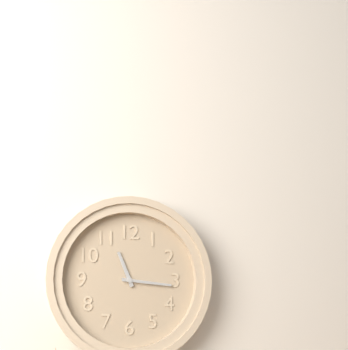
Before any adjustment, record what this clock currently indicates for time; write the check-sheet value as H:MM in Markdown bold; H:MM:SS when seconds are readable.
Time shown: **11:16**
